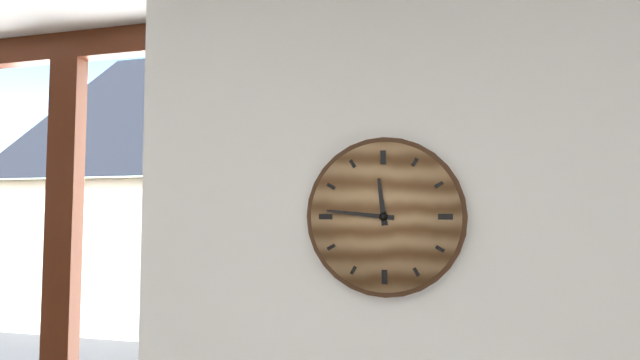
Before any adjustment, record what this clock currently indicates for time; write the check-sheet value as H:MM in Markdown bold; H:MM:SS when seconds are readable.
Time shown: **11:46**
